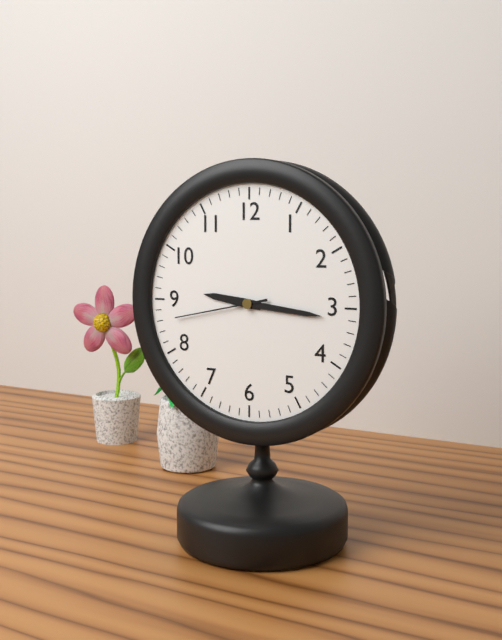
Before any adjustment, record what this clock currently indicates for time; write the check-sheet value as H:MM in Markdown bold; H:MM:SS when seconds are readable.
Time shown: **9:16:43**
